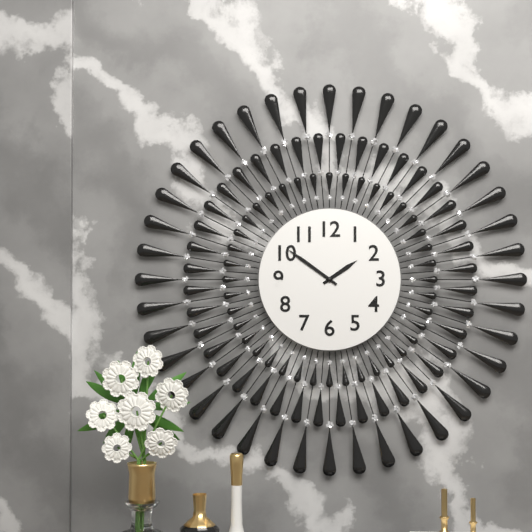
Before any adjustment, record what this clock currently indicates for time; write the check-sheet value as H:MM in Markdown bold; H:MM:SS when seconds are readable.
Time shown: **1:51**
